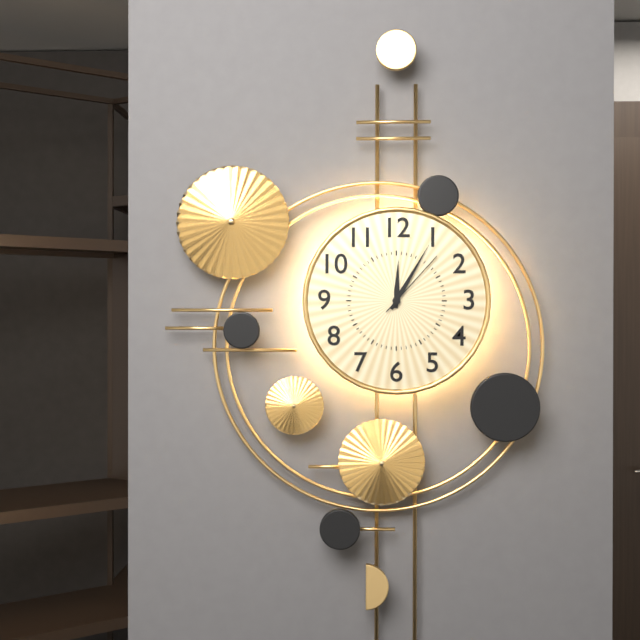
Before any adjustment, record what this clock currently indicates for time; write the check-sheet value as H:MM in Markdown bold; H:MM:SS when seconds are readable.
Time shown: **12:05:07**
